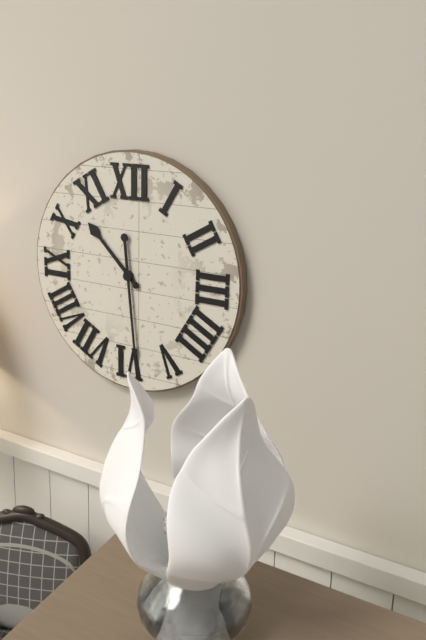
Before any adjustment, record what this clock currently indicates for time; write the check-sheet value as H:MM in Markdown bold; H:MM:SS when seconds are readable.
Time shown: **10:29**
